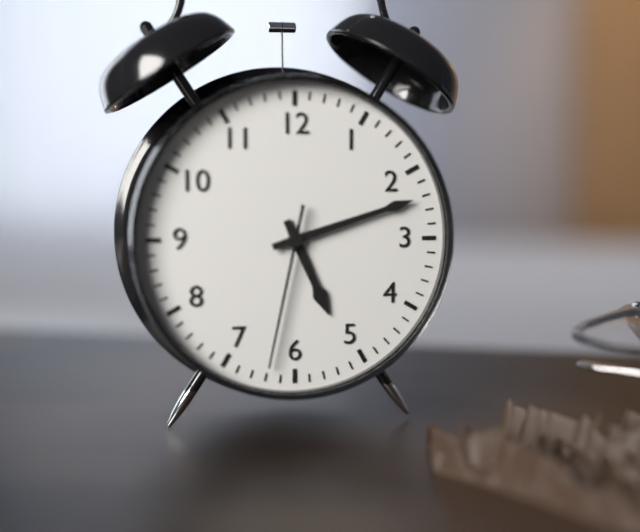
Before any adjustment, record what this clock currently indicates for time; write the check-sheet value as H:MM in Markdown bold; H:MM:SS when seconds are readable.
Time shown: **5:12:32**
